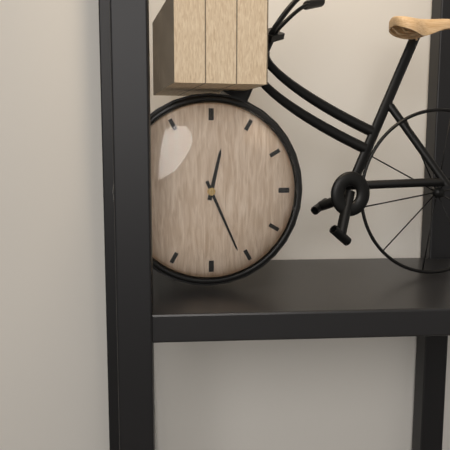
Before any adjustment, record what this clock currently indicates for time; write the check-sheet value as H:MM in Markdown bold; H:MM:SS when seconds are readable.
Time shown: **12:26**
